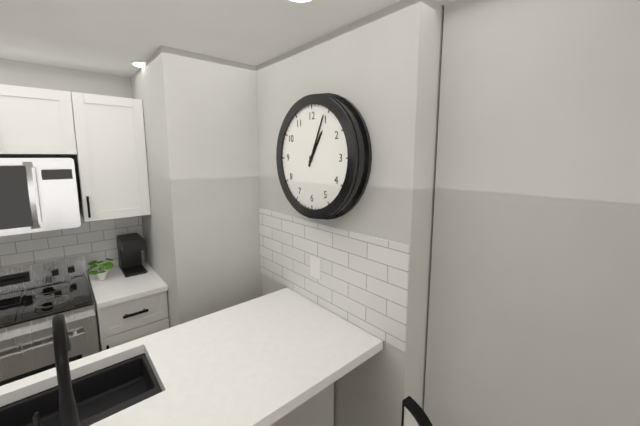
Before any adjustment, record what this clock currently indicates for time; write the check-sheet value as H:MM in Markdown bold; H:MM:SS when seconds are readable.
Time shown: **1:04**
